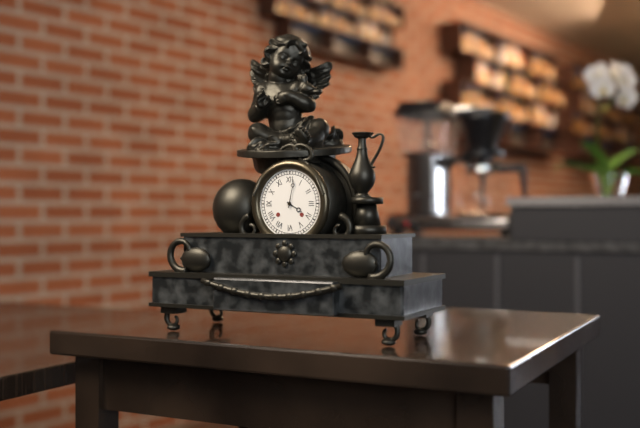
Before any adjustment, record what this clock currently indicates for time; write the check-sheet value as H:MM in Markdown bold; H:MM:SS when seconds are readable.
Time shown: **4:02**
